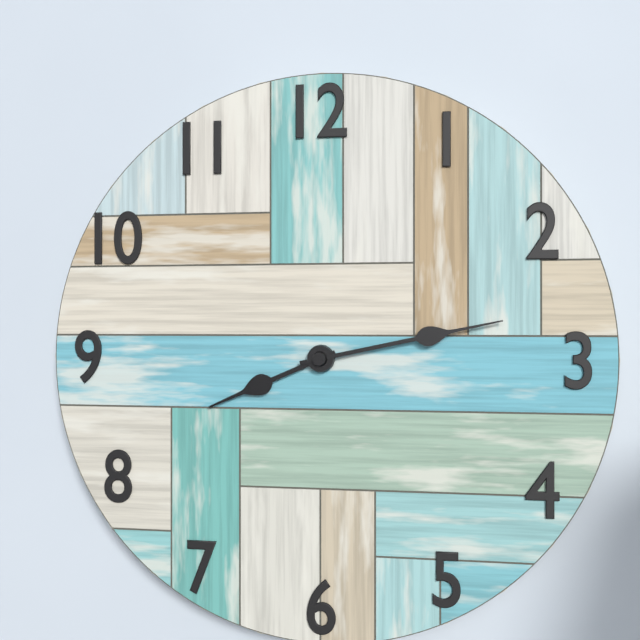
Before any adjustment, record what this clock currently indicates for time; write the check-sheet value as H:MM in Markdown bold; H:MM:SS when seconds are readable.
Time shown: **8:13**
